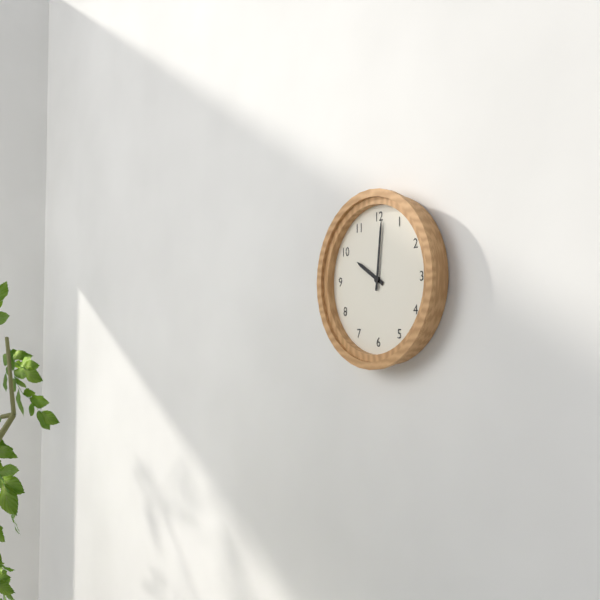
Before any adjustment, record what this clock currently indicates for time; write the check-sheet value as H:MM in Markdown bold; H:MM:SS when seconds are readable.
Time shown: **10:01**
